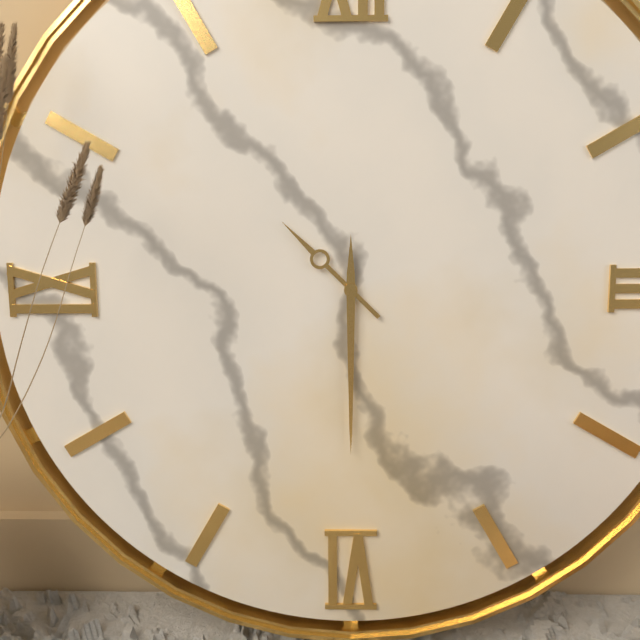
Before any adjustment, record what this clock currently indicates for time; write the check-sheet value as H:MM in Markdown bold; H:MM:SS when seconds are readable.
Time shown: **10:30**
